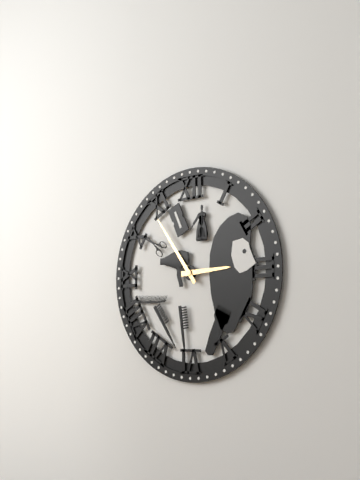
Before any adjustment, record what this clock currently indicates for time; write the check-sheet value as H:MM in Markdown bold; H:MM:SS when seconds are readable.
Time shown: **2:54**
